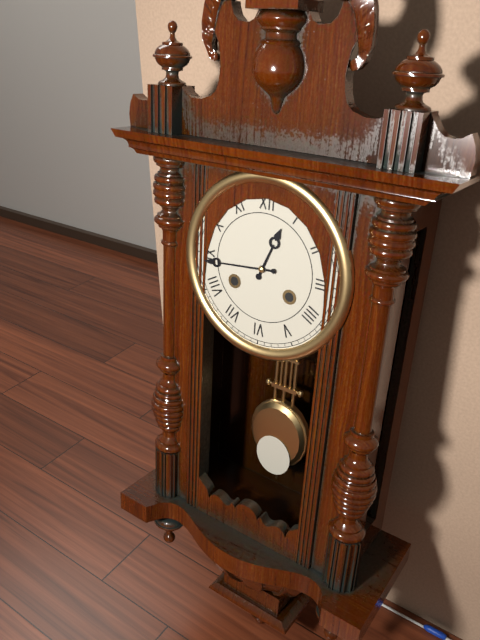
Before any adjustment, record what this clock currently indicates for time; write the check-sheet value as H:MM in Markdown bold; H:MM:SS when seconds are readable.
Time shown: **12:44**
